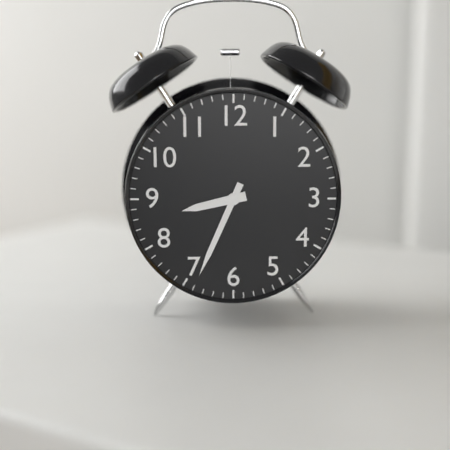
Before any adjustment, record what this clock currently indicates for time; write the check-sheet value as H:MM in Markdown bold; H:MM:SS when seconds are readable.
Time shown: **8:34**
